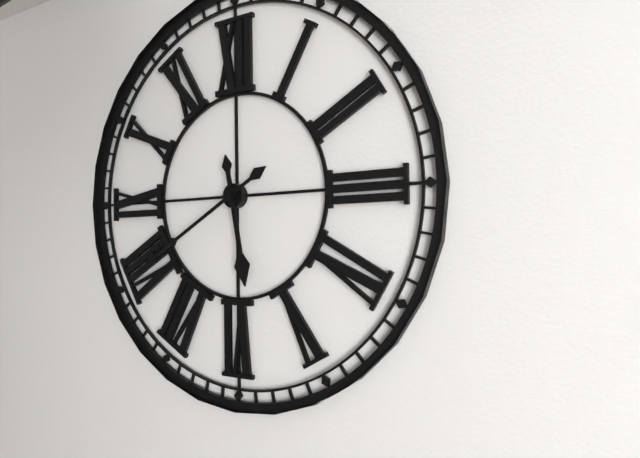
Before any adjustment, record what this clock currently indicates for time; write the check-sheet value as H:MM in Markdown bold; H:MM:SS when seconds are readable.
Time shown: **5:40**
